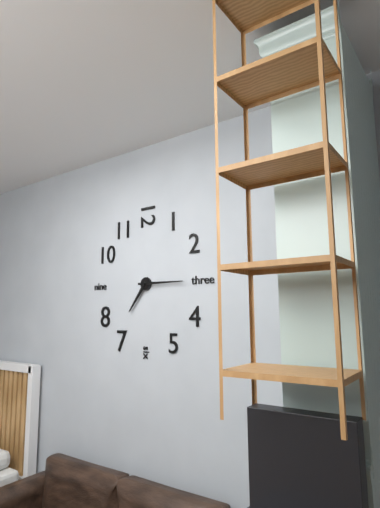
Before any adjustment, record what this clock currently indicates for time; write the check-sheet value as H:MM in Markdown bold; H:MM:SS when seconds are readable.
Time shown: **7:15**
